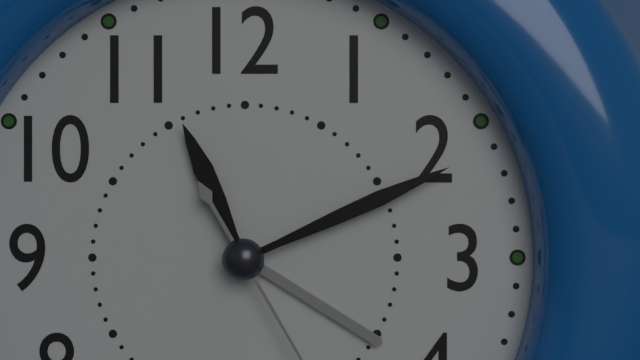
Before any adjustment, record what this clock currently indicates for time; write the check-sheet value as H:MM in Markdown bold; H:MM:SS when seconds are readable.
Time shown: **11:11**
